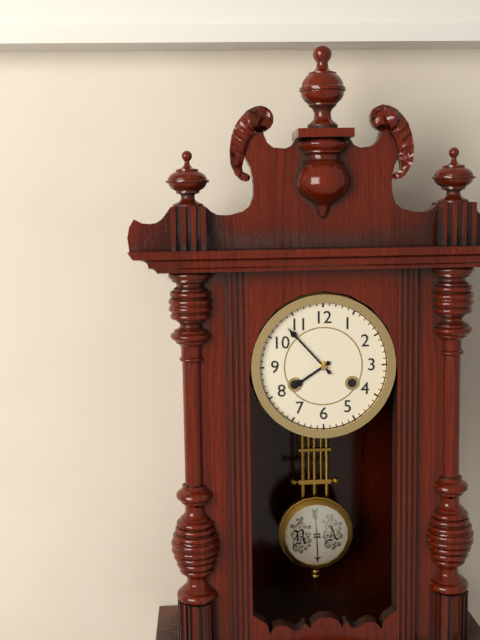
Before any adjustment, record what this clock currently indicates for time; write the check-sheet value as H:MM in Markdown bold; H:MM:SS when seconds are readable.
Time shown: **7:53**
